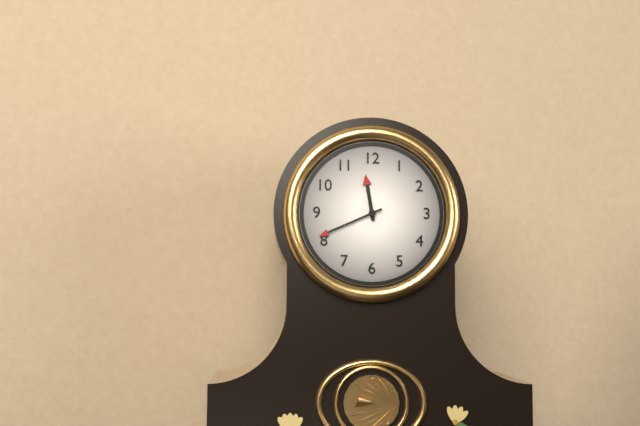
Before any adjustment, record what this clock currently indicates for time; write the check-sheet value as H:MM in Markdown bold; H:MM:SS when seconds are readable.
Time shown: **11:41**
